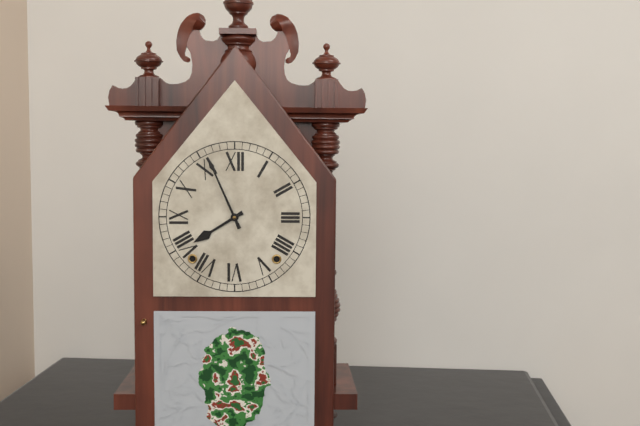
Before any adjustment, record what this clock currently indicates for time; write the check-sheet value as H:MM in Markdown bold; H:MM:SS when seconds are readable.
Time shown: **7:56**
